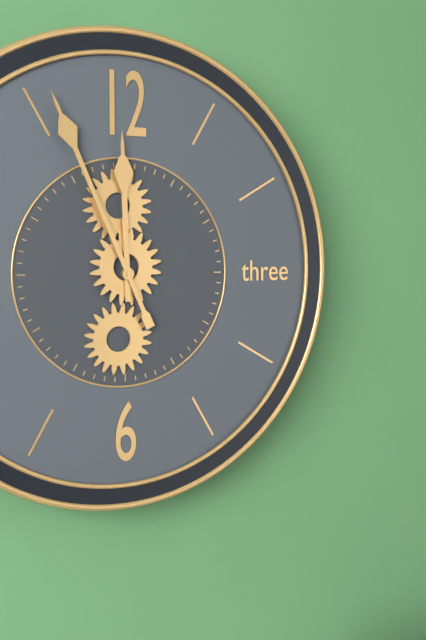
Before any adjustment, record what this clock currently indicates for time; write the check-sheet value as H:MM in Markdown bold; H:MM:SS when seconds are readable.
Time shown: **11:56**
